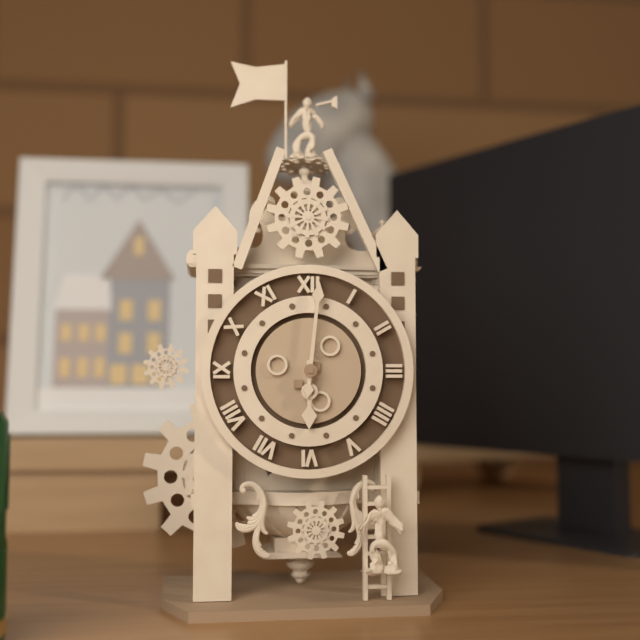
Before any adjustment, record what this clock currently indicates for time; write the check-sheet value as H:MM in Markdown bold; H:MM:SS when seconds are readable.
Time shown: **6:01**
